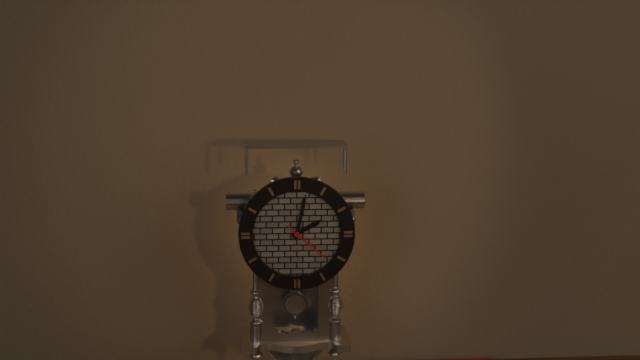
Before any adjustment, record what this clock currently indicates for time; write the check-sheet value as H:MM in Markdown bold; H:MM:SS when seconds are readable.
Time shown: **2:02**
